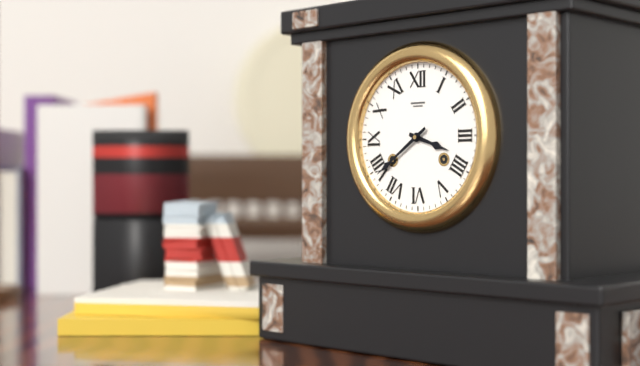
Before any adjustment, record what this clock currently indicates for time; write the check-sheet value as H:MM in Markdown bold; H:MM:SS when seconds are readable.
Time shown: **3:39**
